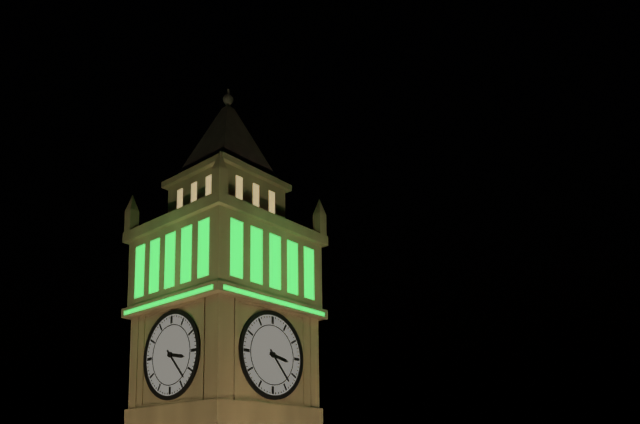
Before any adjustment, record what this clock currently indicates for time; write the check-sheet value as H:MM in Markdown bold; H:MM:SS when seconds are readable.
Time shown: **3:23**
